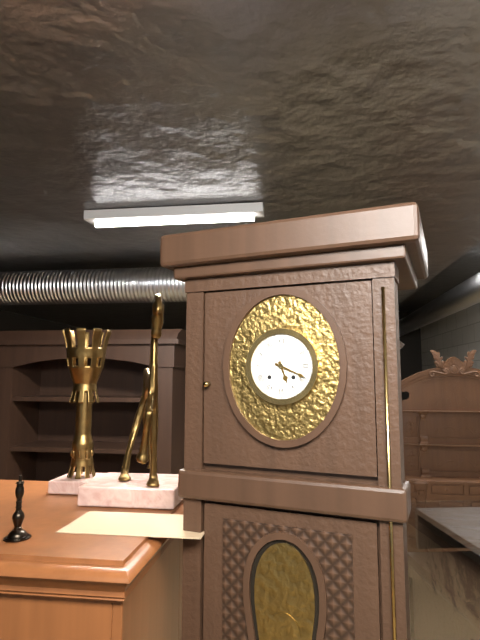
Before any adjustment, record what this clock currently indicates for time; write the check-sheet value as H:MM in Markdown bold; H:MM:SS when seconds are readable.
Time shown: **5:19**
